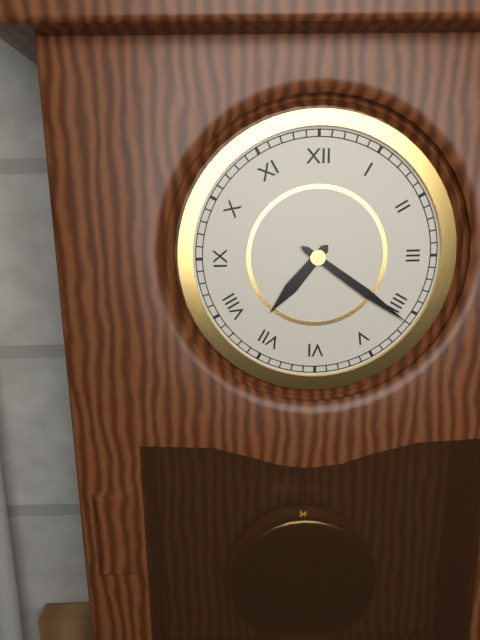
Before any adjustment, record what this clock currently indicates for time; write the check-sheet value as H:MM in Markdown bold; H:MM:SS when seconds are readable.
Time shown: **7:21**
